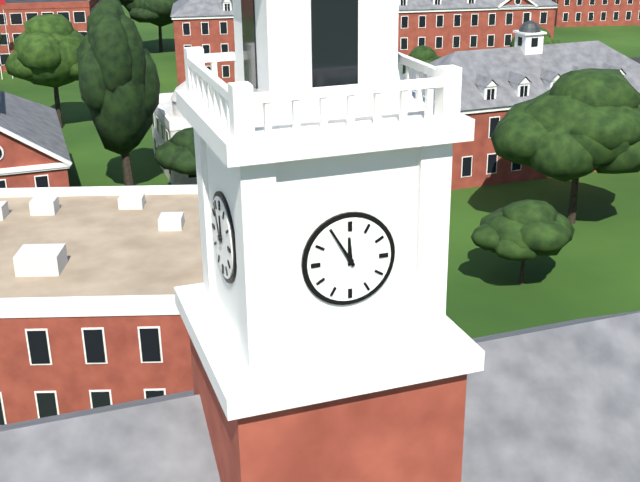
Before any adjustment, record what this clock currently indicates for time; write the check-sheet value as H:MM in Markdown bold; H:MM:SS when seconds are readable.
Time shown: **11:55**
